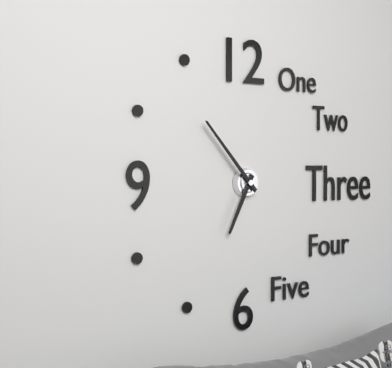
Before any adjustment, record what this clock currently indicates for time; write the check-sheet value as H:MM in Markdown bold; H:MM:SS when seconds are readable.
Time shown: **6:53**
